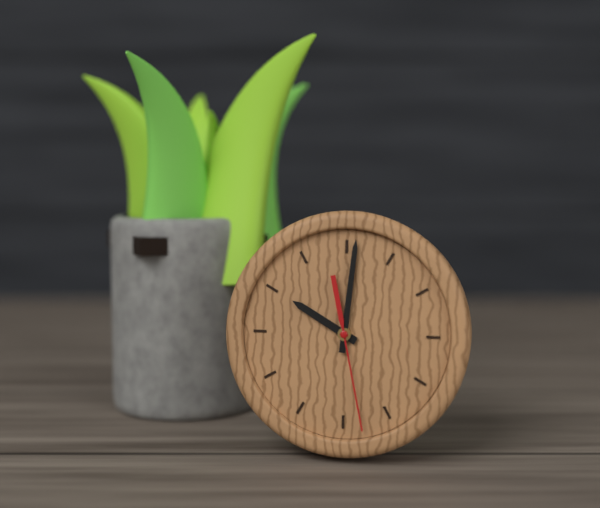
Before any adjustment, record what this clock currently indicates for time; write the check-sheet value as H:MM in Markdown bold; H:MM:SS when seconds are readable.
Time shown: **10:01:28**
